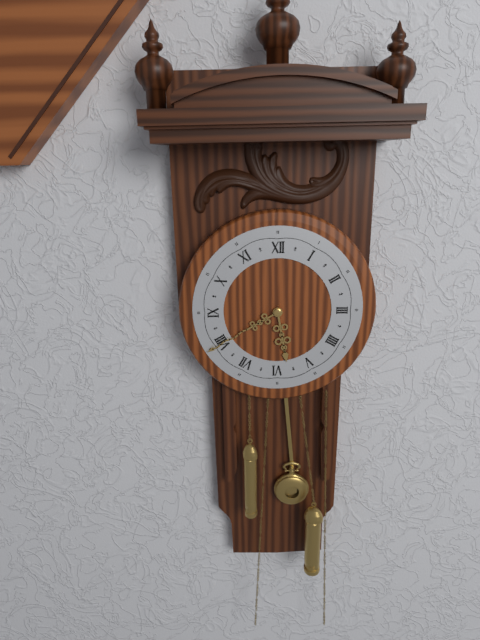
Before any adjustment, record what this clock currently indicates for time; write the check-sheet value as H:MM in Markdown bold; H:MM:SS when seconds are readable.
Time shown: **5:40**
